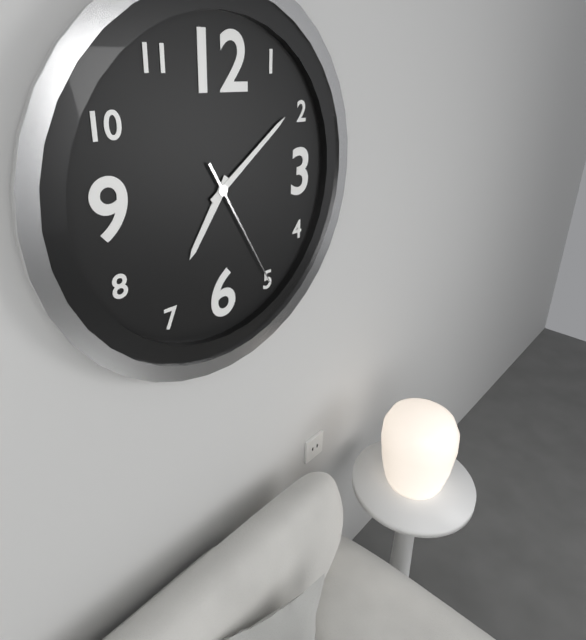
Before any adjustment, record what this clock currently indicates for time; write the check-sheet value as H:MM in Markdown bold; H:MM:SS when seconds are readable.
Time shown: **7:09:25**
